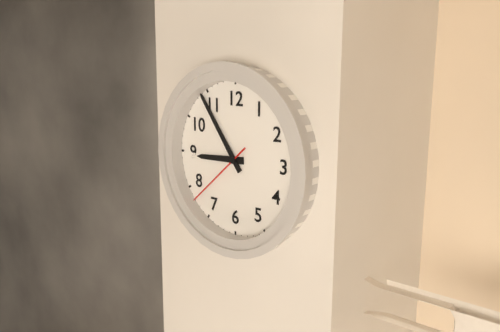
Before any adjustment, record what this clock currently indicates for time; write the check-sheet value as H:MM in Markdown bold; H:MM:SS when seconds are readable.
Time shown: **8:54:38**
